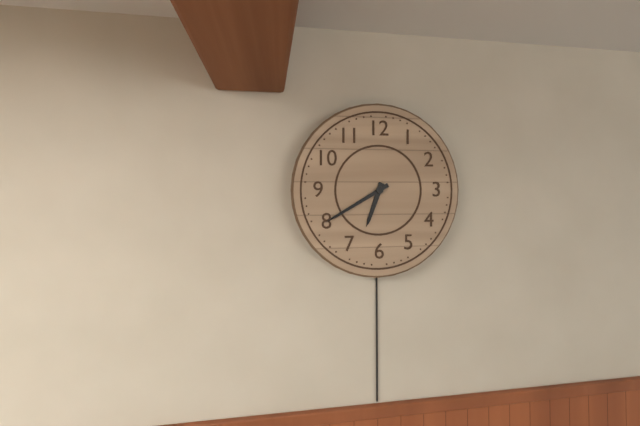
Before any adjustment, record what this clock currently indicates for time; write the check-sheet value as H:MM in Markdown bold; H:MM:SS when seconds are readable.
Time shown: **6:40**
